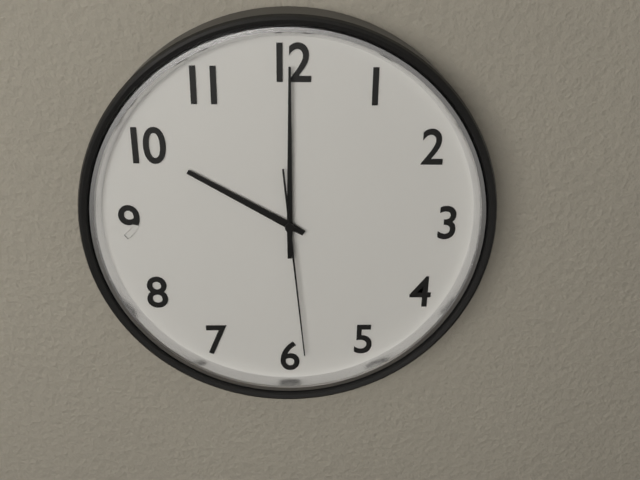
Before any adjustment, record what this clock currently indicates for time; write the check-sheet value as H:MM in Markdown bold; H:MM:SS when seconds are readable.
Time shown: **10:00:29**
